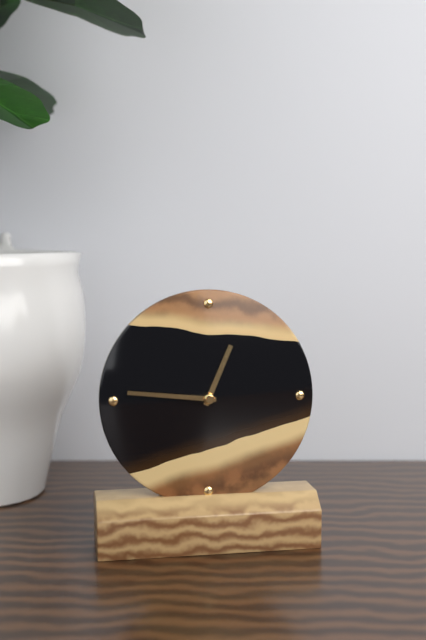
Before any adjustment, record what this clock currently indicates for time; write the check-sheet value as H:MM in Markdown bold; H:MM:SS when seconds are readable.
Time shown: **12:46**
